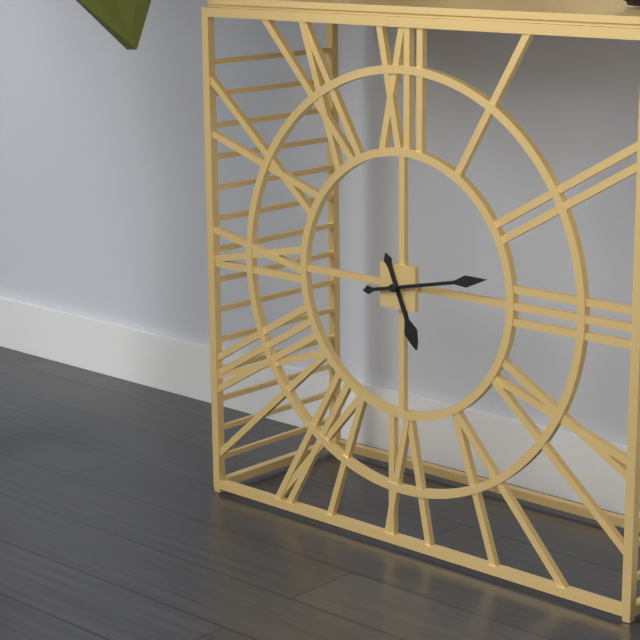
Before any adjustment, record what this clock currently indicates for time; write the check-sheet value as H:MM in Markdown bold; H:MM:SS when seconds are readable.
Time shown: **5:13**
